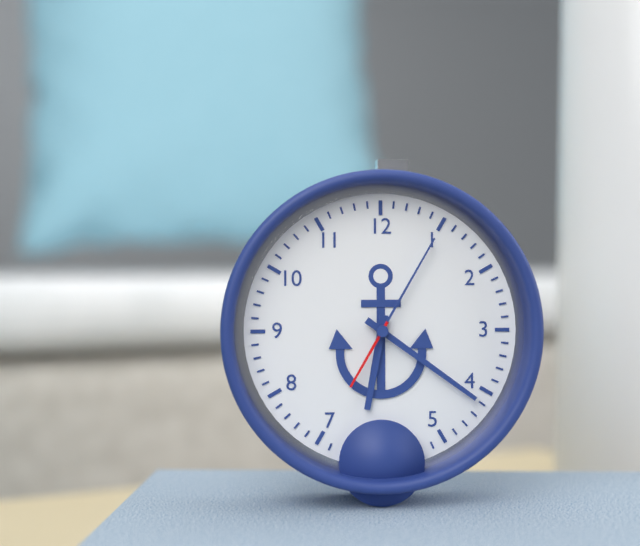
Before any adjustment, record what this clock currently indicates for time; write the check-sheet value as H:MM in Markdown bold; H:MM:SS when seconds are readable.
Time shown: **6:21:35**
